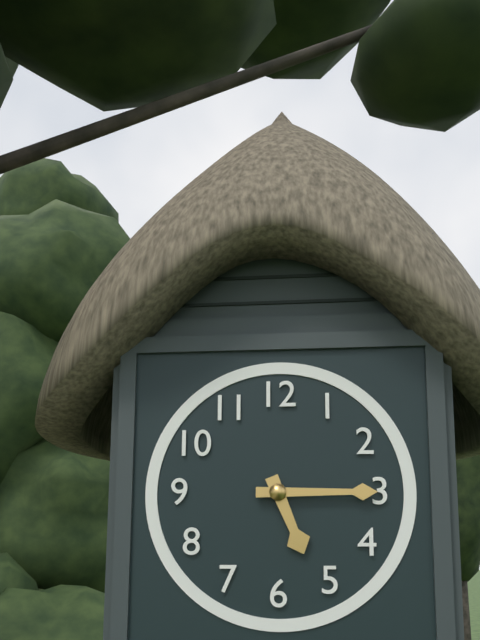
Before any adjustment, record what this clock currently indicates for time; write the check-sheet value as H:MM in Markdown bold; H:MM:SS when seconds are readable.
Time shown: **5:15**
